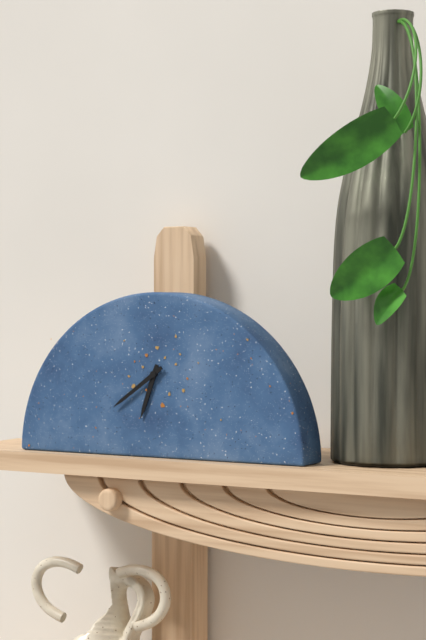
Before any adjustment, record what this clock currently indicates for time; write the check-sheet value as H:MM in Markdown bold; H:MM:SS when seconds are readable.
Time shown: **6:39**
